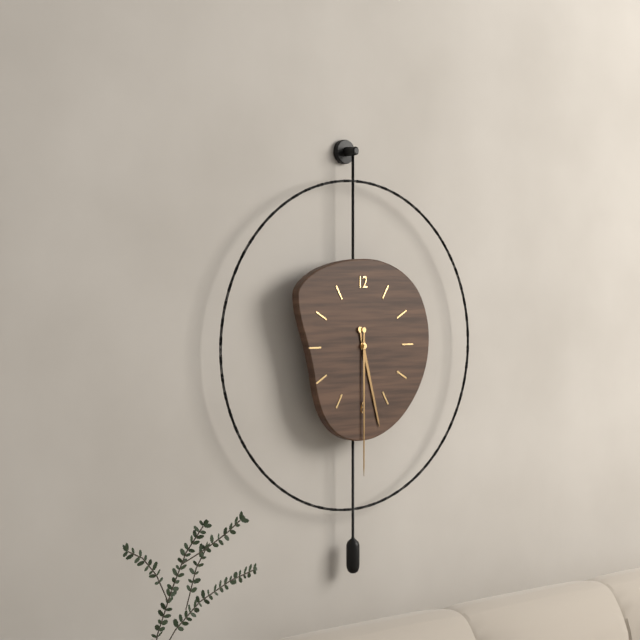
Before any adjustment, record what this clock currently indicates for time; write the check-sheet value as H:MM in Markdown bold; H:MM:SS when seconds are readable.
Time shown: **5:30**
